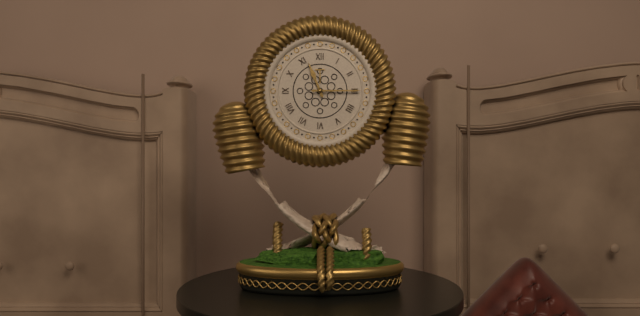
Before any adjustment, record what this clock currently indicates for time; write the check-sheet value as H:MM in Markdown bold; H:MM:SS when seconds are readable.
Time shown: **11:15**
